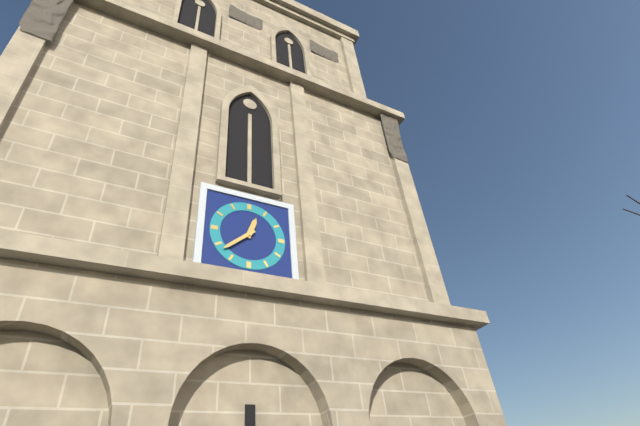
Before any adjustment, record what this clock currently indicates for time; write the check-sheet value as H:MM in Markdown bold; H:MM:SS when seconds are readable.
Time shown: **12:38**
